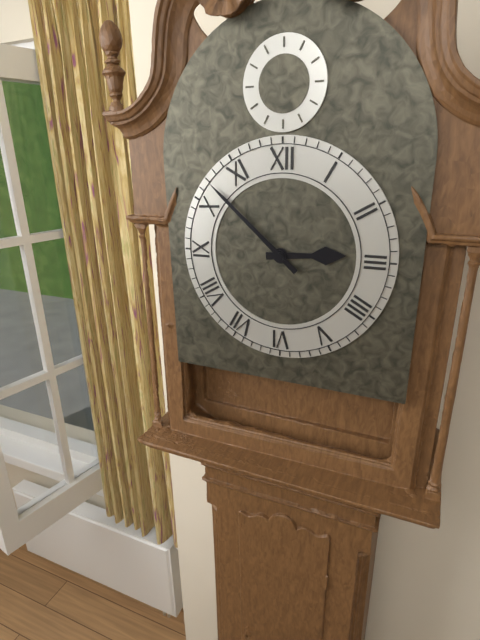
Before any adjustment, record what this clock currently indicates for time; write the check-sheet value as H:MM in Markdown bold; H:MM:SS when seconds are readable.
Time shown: **2:52**
